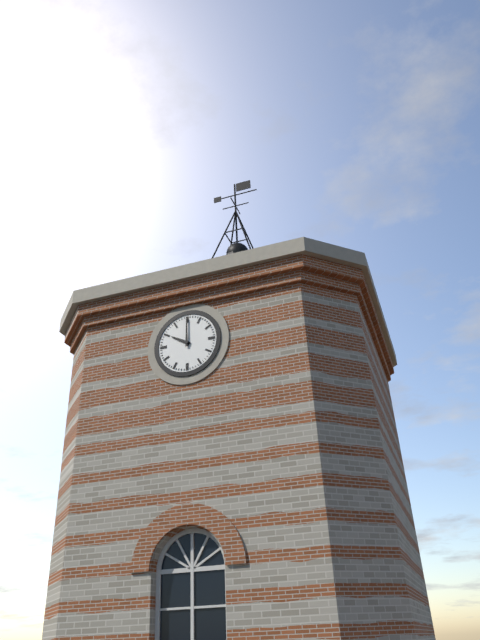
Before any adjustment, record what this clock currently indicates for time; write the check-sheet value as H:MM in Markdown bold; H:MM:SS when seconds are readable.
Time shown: **10:00**
